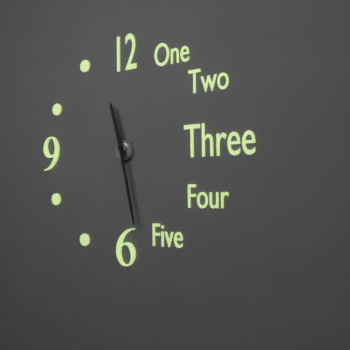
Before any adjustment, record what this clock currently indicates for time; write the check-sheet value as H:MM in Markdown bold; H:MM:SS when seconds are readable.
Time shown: **11:28**
